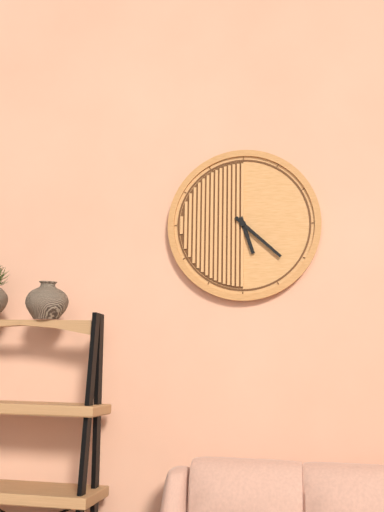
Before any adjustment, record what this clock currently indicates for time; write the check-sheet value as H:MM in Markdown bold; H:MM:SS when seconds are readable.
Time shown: **5:22**
